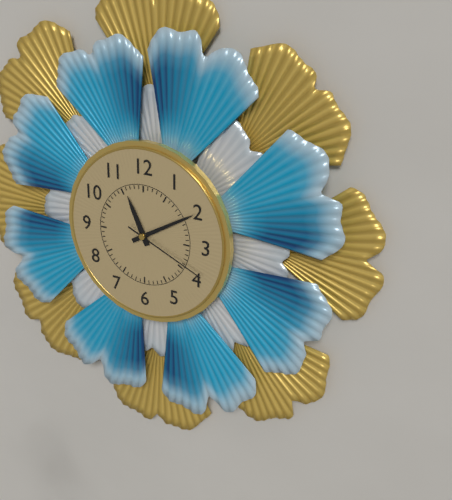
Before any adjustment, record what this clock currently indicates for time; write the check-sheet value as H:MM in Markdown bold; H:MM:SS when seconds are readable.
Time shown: **11:10:19**
